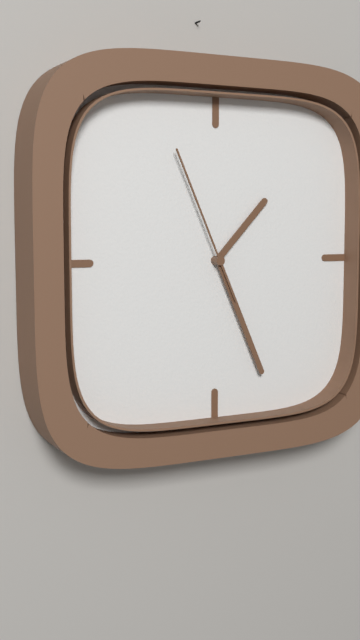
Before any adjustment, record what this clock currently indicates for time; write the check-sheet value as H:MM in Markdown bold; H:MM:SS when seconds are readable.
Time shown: **1:26:56**
